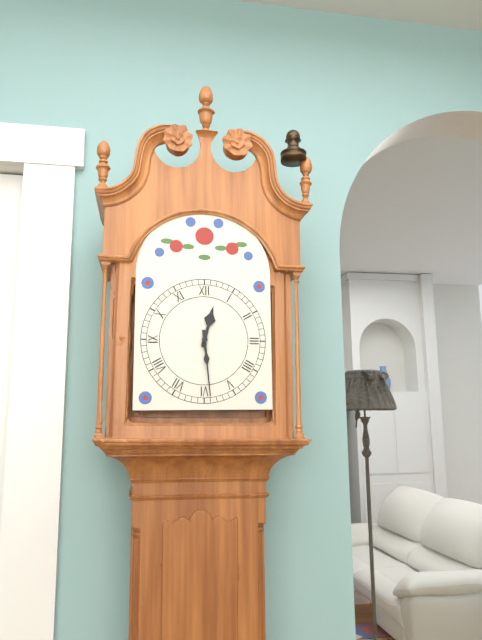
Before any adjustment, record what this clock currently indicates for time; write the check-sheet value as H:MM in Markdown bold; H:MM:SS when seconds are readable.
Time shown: **12:29**
